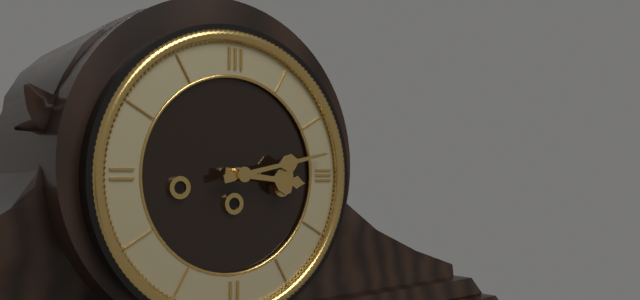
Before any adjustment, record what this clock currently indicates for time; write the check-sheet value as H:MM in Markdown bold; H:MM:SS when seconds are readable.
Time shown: **3:13**
